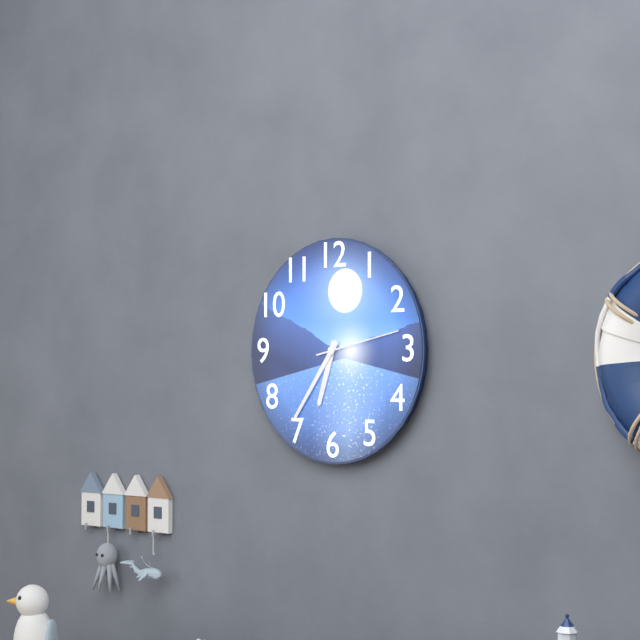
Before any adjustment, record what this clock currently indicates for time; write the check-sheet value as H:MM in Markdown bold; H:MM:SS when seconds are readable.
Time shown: **6:36:13**
